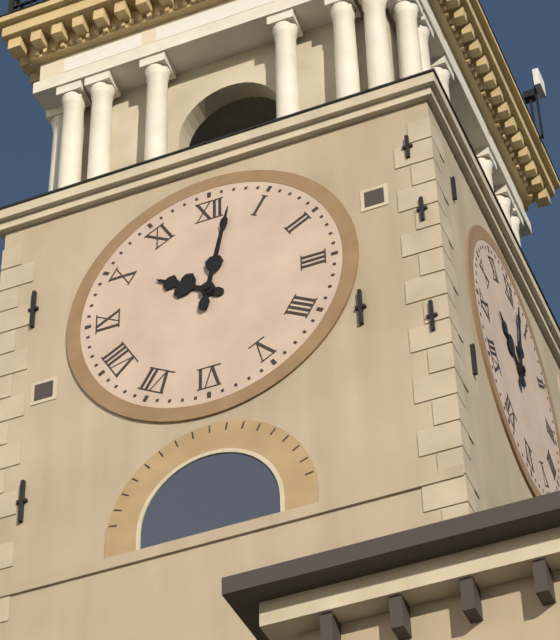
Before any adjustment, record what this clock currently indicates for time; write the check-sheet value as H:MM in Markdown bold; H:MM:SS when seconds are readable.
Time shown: **10:02**
